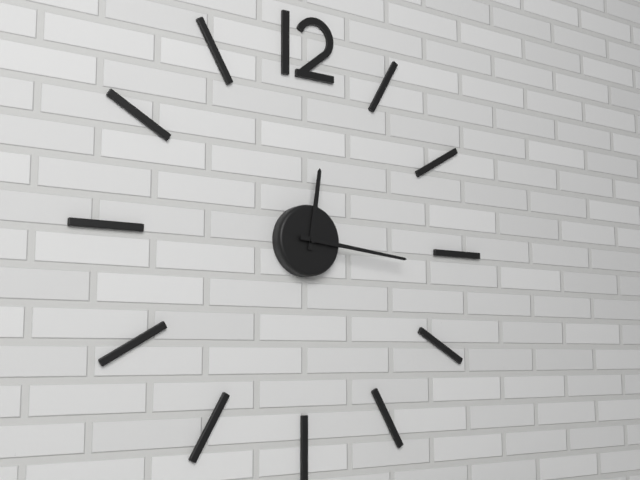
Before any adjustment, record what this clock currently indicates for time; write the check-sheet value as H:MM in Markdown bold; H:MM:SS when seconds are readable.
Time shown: **12:16**
